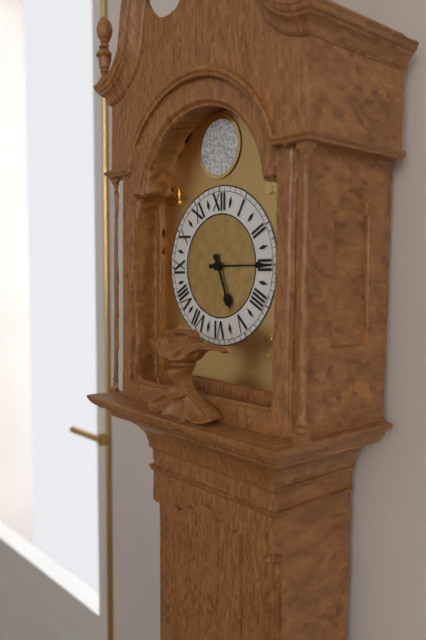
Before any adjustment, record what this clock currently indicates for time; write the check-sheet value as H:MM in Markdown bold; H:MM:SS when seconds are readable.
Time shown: **5:15**
